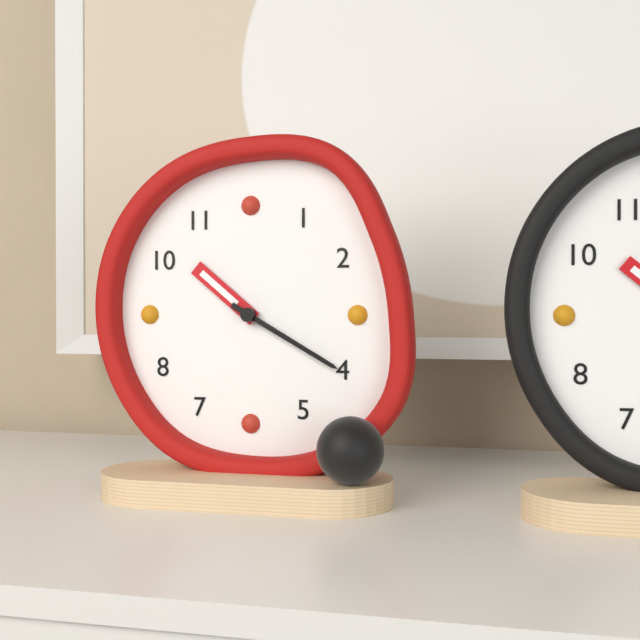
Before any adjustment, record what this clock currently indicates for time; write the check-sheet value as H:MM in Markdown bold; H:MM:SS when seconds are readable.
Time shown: **10:20**
